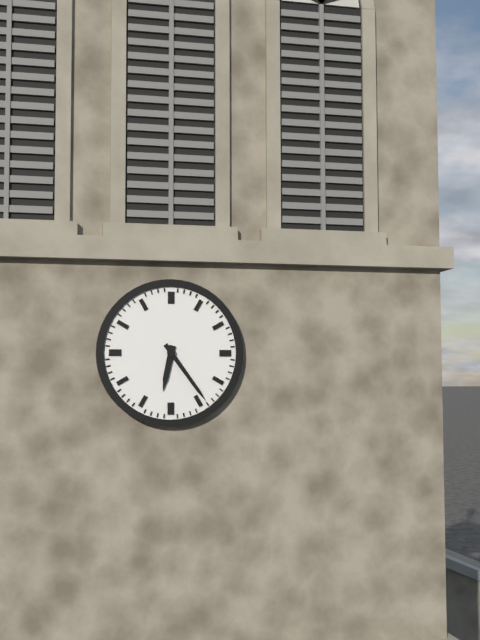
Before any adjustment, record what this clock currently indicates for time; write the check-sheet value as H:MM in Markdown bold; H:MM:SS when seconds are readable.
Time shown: **6:24**
